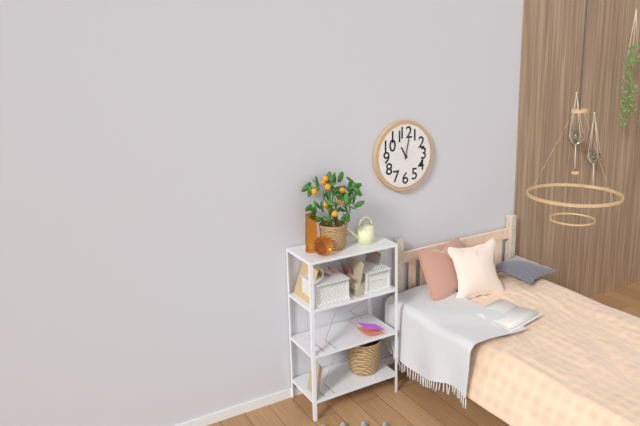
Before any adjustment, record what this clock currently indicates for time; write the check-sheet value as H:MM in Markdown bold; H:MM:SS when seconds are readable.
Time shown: **11:02**
